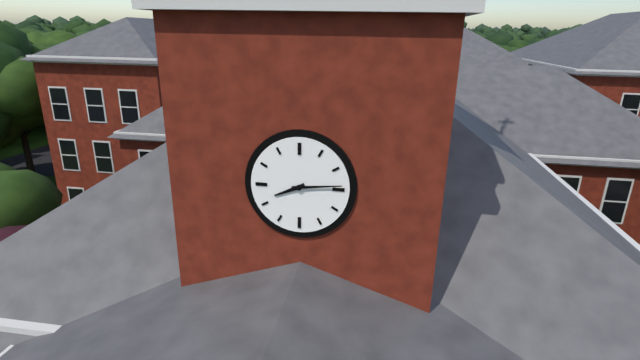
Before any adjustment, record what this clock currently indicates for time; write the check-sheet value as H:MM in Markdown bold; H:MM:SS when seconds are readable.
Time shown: **8:14**
